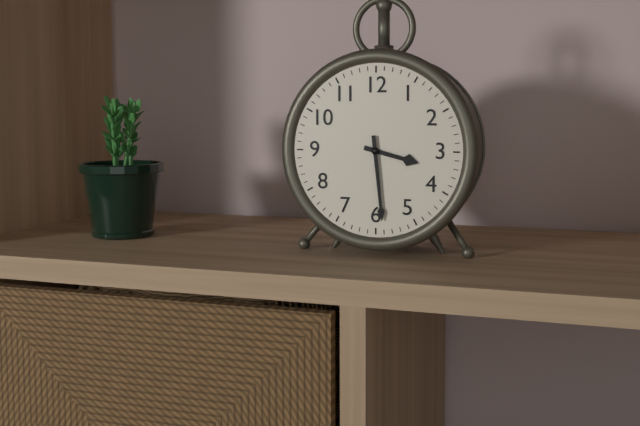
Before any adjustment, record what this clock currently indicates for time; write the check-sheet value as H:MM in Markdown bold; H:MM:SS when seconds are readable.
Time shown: **3:29**
